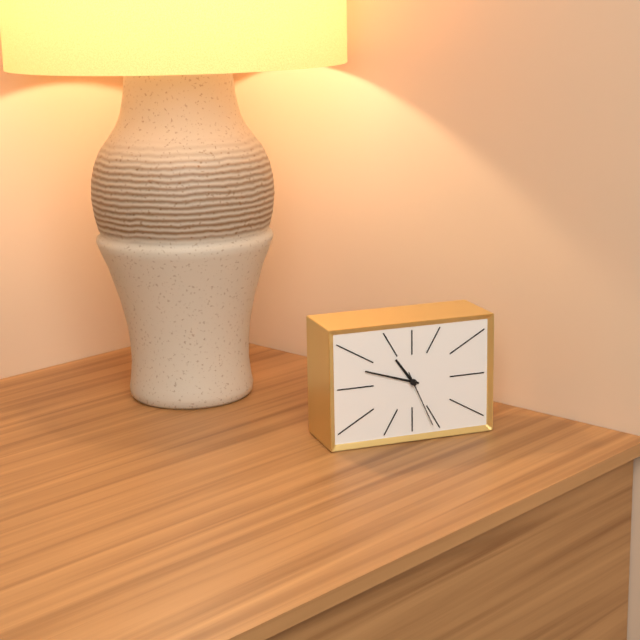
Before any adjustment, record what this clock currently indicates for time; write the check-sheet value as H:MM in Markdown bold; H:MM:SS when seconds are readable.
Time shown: **10:48:26**
